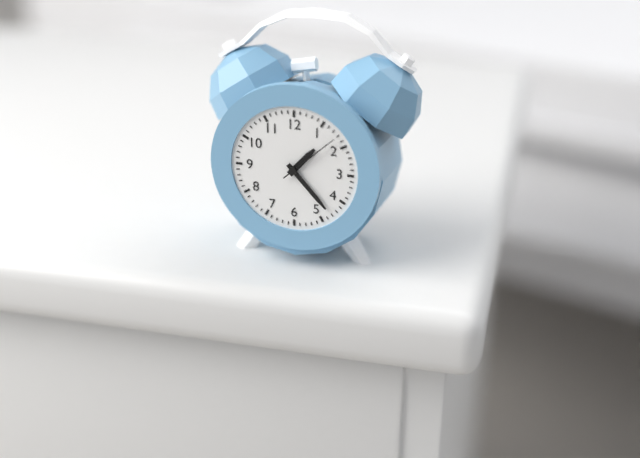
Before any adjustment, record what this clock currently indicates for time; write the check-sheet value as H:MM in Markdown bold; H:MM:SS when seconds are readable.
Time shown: **1:23:08**
